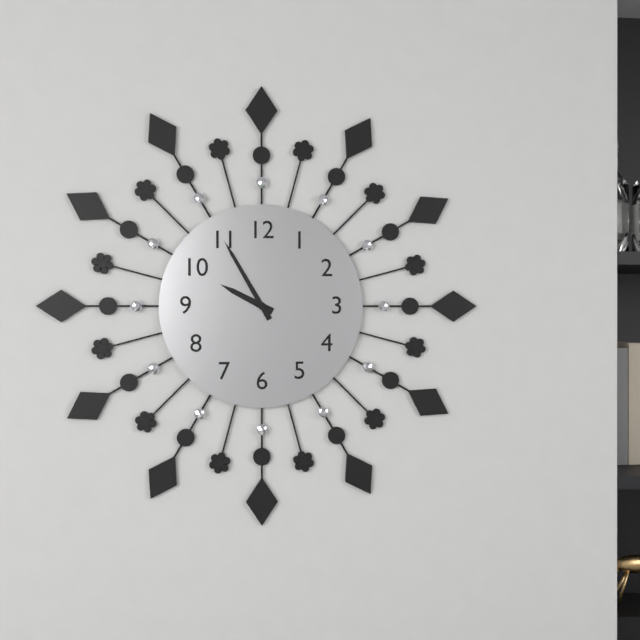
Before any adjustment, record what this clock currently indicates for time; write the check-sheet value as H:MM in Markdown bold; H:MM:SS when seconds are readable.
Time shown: **9:55**
